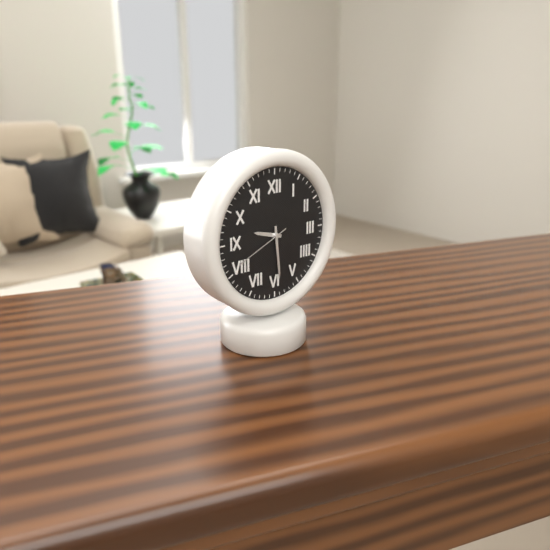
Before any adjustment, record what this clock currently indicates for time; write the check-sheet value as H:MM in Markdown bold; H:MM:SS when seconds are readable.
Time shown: **9:29:41**
